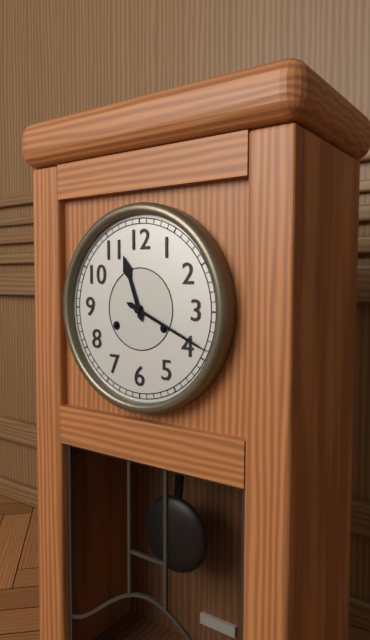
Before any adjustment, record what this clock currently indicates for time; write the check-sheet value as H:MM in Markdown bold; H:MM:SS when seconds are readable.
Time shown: **11:19**
